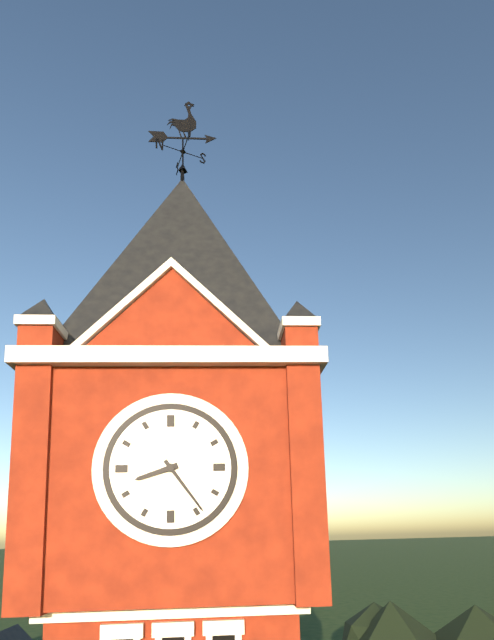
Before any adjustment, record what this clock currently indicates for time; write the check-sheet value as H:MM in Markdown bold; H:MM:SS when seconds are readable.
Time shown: **8:24**
